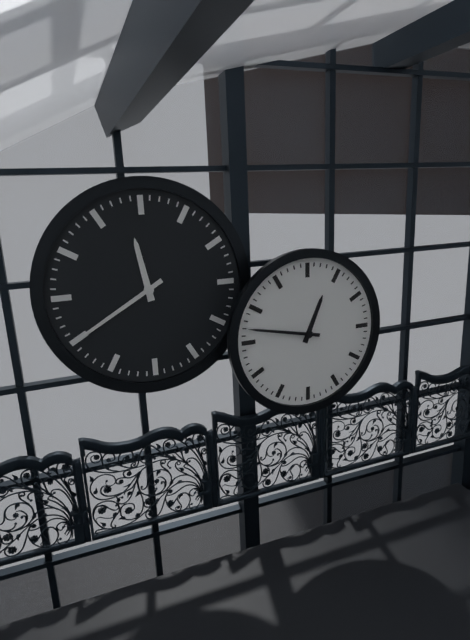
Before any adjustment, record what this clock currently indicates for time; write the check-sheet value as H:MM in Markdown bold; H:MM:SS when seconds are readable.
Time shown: **12:47**
